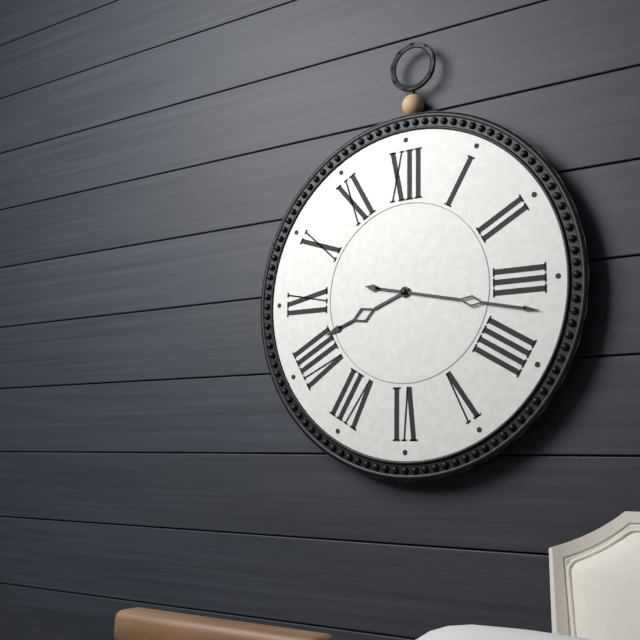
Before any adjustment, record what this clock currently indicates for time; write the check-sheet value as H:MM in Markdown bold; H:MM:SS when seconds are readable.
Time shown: **8:17**
